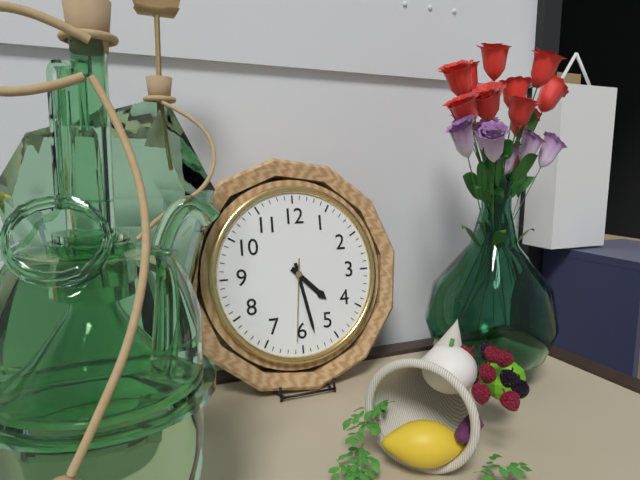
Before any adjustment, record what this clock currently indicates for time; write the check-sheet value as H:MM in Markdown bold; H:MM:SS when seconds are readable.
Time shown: **4:28:31**
